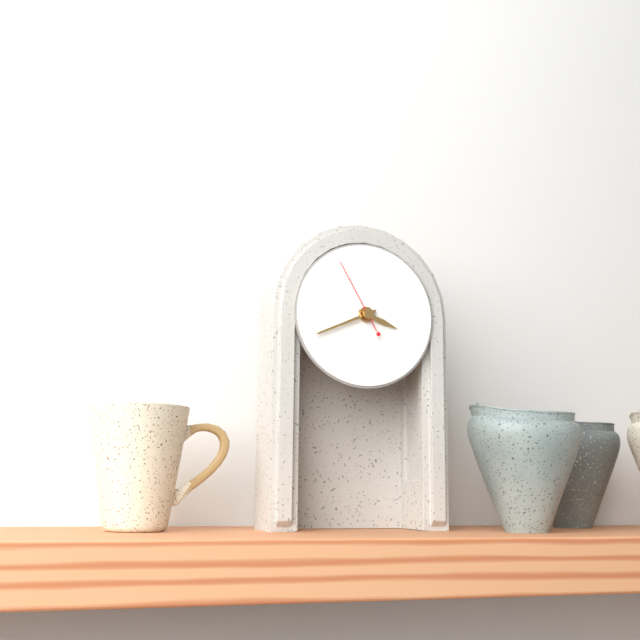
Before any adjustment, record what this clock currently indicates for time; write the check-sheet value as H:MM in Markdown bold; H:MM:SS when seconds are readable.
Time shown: **3:41:55**
